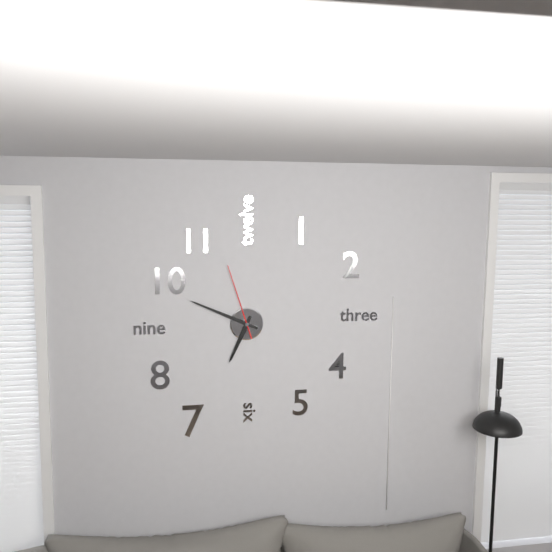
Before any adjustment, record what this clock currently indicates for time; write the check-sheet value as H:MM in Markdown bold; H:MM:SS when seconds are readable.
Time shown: **6:49:57**
